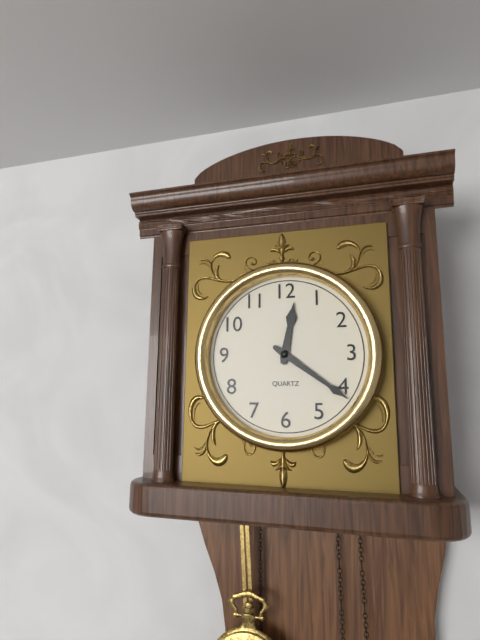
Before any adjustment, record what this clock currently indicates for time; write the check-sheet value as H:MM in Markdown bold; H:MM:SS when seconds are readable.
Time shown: **12:21**
